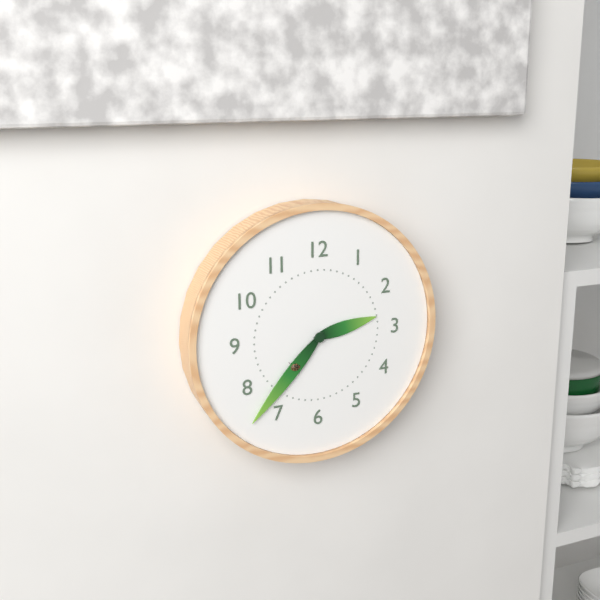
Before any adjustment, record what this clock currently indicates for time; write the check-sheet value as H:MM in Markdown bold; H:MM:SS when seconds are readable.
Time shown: **2:37**
